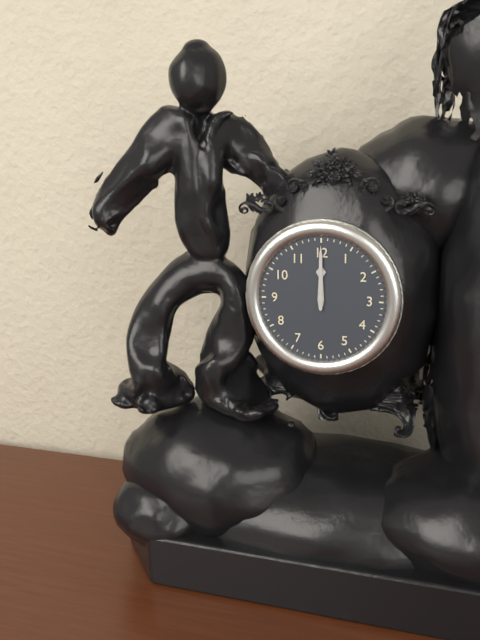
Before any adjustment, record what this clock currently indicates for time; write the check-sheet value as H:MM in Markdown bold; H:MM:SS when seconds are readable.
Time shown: **12:00**
